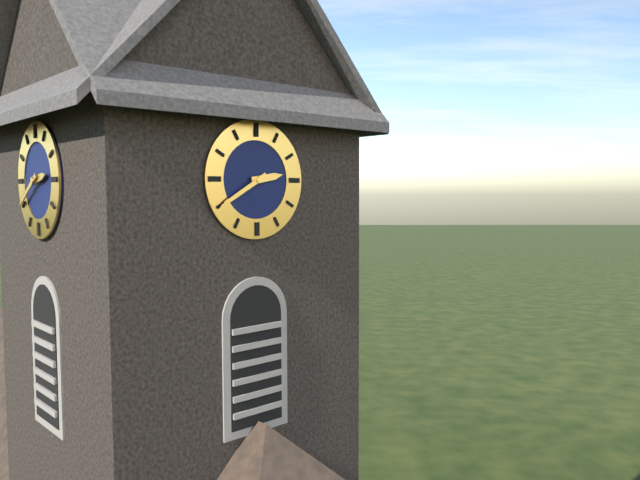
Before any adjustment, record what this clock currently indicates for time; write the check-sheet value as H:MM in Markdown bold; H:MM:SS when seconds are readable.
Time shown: **2:40**
